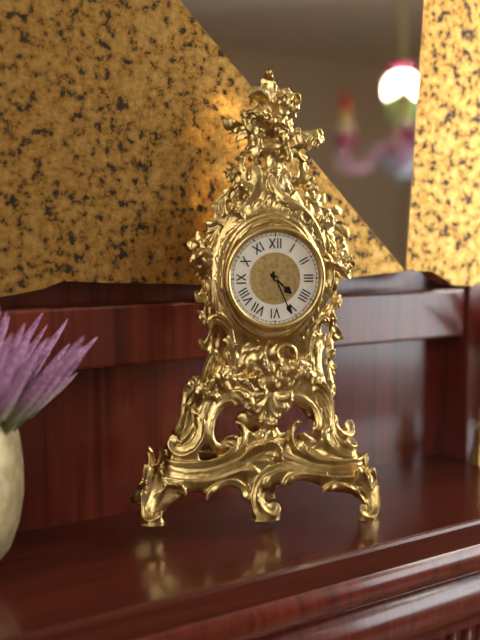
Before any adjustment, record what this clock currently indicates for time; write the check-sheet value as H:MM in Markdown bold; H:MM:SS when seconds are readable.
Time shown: **4:26**
